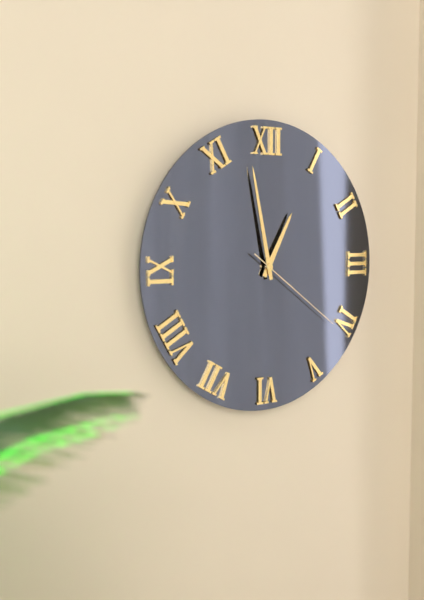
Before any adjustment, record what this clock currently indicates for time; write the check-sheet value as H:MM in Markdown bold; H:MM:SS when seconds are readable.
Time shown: **12:58:21**
